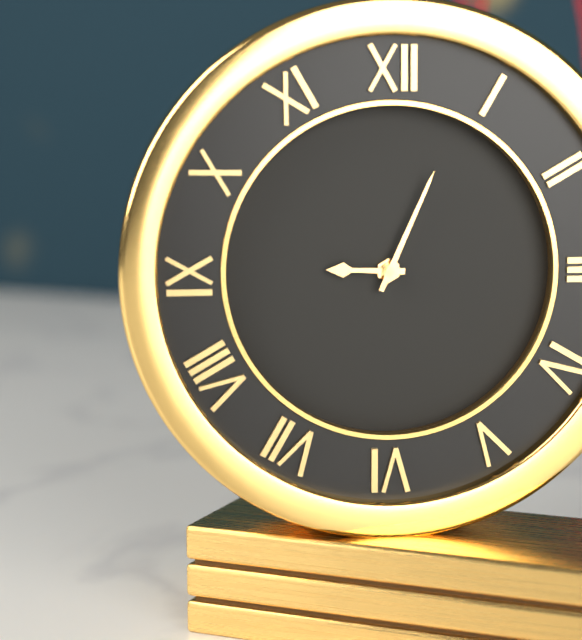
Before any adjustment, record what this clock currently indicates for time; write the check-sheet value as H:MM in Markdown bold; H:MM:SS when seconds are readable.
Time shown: **9:04**
